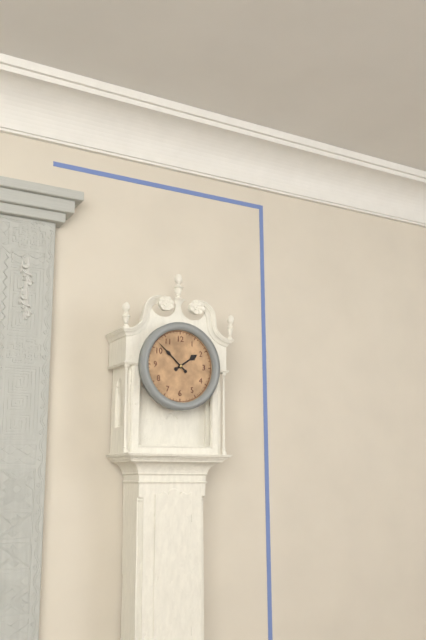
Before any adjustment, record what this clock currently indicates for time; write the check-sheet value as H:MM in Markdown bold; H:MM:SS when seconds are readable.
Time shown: **1:52**
